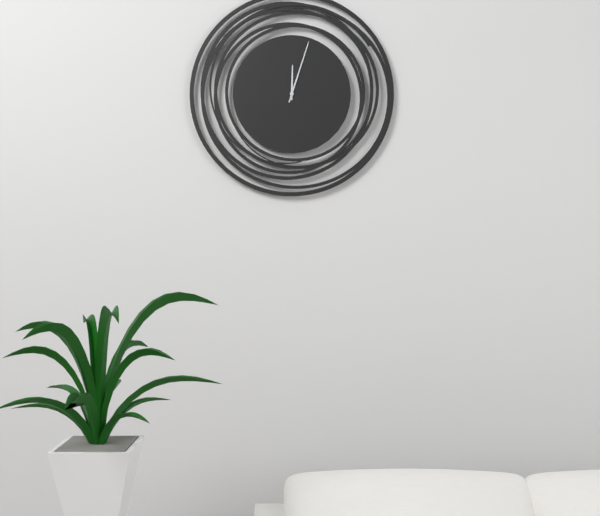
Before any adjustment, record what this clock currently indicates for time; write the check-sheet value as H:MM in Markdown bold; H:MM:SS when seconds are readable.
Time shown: **12:03**
